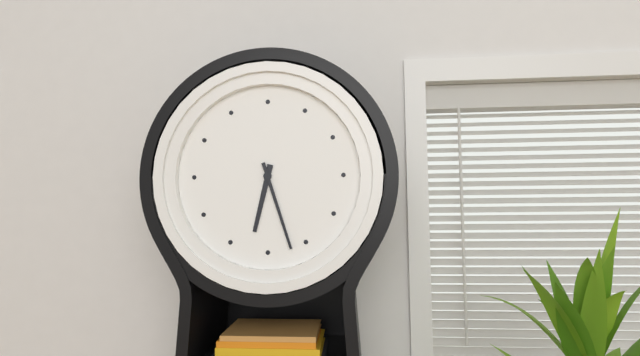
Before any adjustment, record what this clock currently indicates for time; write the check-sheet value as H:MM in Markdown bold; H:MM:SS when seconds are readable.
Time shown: **6:27**
